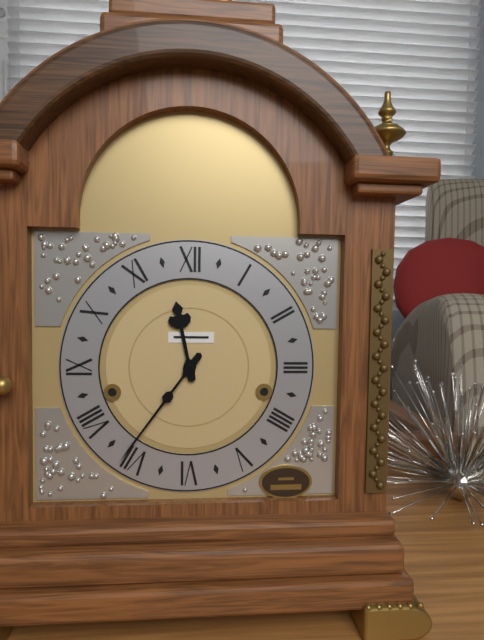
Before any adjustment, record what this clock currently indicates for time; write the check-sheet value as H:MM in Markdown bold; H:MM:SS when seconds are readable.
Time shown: **11:36**
